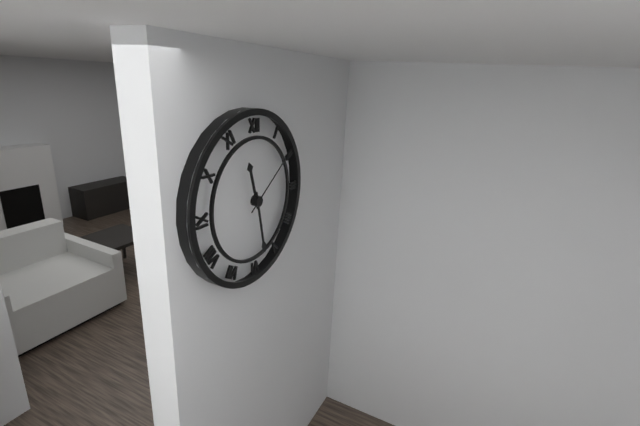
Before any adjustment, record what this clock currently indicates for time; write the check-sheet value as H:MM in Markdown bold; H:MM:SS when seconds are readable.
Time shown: **11:28:09**
